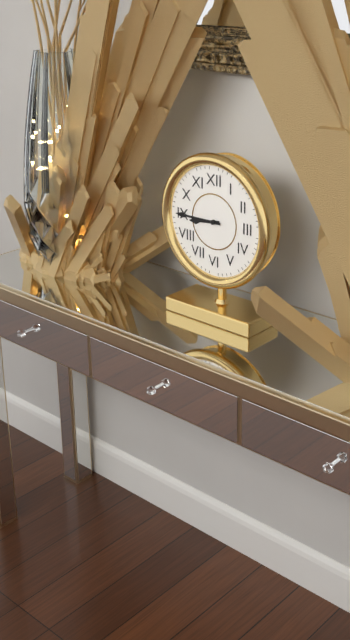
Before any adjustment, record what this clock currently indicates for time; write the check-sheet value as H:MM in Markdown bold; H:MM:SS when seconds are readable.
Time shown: **8:45**
